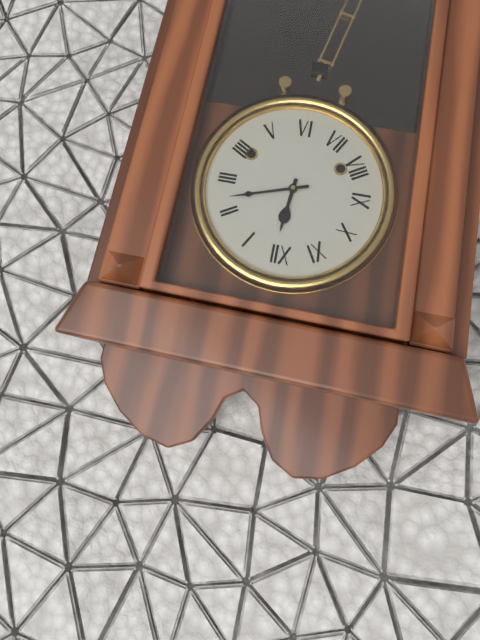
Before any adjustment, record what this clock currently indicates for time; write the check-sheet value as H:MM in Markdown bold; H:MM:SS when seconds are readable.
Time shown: **12:12**
